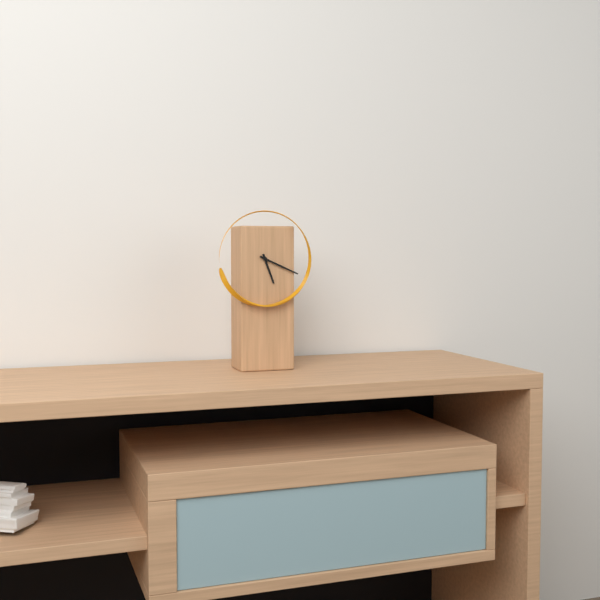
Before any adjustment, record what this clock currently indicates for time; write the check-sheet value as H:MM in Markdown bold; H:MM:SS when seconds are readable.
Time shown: **5:19**
